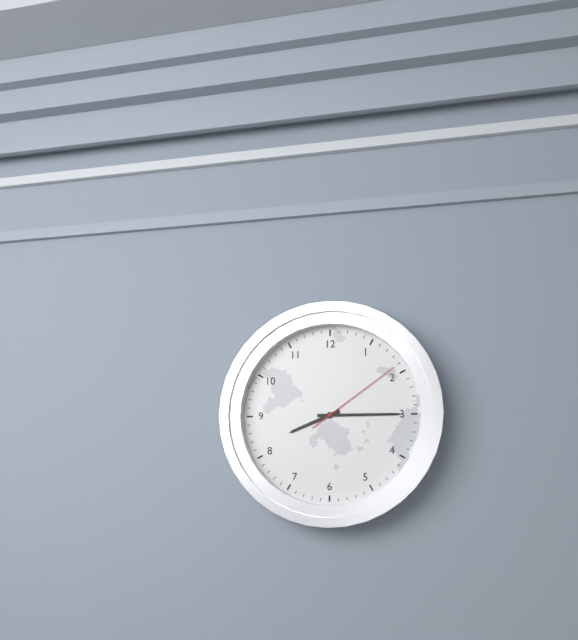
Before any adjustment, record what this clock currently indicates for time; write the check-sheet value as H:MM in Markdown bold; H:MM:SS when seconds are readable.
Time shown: **8:15:09**
